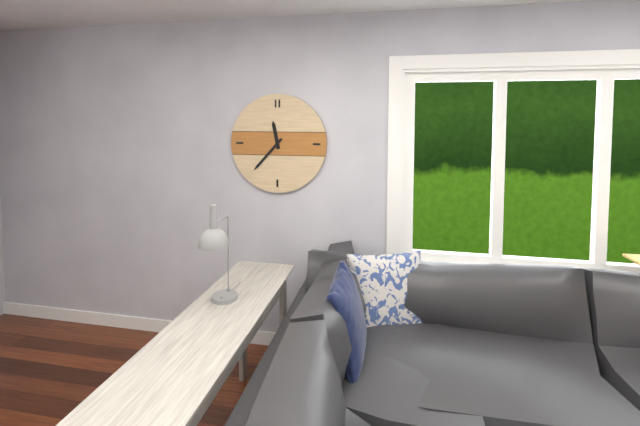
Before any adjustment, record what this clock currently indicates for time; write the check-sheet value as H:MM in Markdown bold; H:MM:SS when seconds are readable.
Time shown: **11:37**
